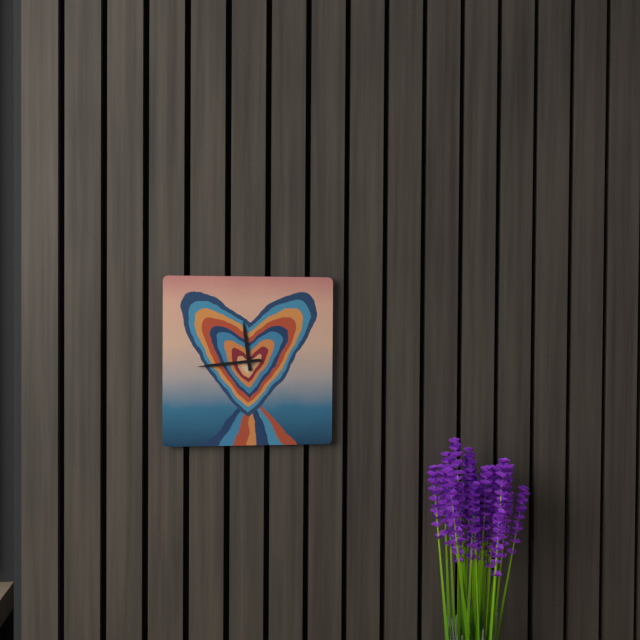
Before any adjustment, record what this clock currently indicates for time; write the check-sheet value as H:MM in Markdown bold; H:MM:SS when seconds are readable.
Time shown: **11:44**
